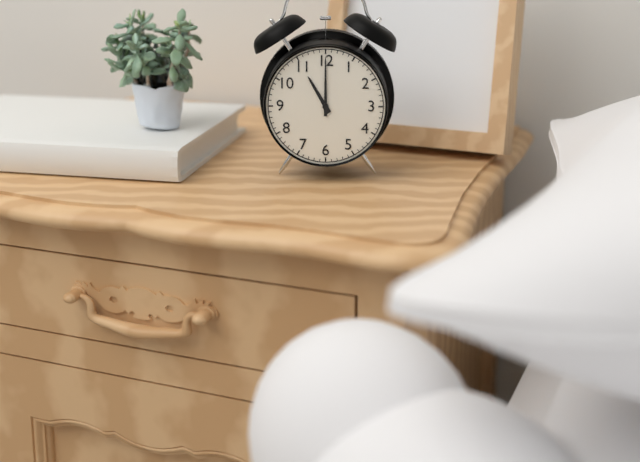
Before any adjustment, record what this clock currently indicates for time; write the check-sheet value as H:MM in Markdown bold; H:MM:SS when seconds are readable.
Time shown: **11:00**
